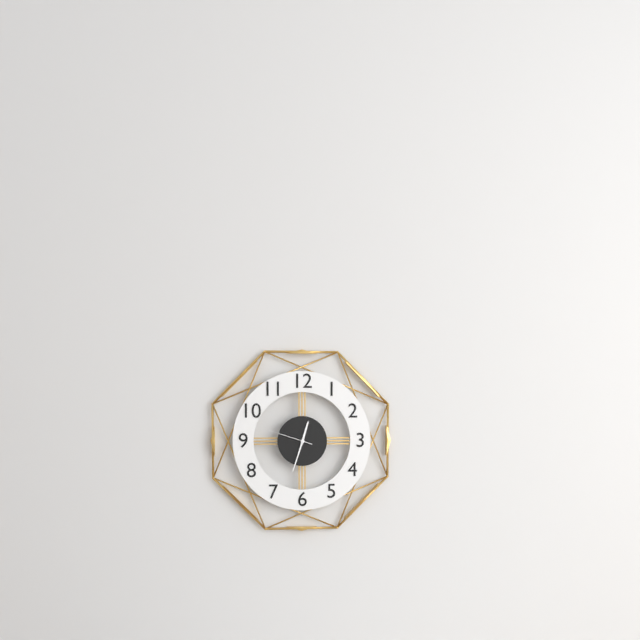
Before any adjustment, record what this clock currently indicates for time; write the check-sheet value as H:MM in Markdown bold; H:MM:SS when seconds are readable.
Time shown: **12:33**
